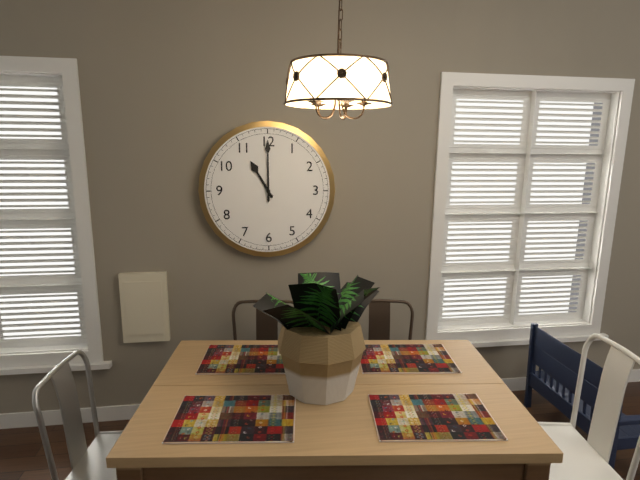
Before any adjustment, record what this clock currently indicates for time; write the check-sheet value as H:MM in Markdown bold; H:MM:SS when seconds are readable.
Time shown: **11:00**
